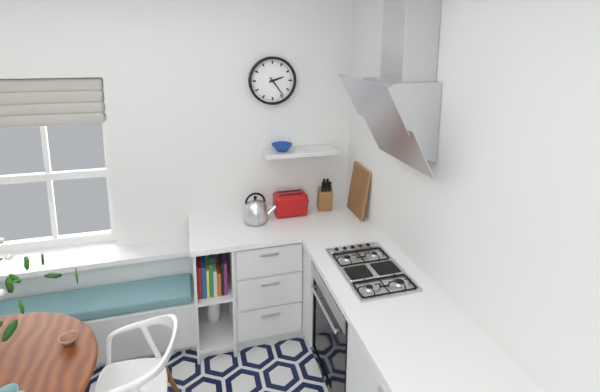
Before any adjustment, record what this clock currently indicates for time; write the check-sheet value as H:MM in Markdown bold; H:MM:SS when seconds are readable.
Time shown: **2:24**
